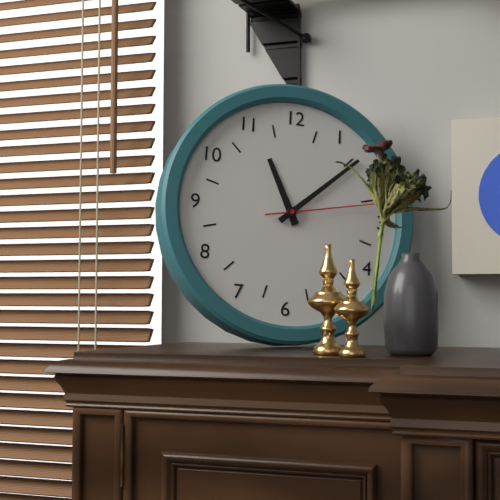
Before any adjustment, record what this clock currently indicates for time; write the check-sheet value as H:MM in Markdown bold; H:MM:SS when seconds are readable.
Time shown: **11:08:13**
